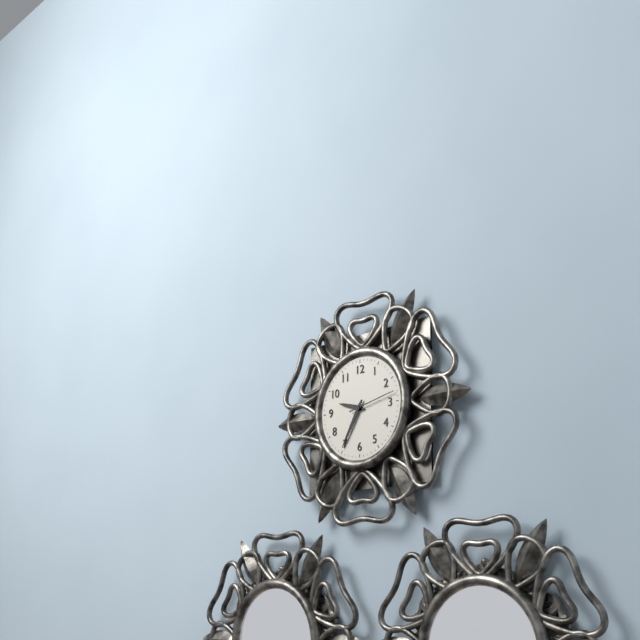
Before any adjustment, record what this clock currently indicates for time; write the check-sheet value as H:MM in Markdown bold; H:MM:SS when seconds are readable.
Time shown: **9:35**
